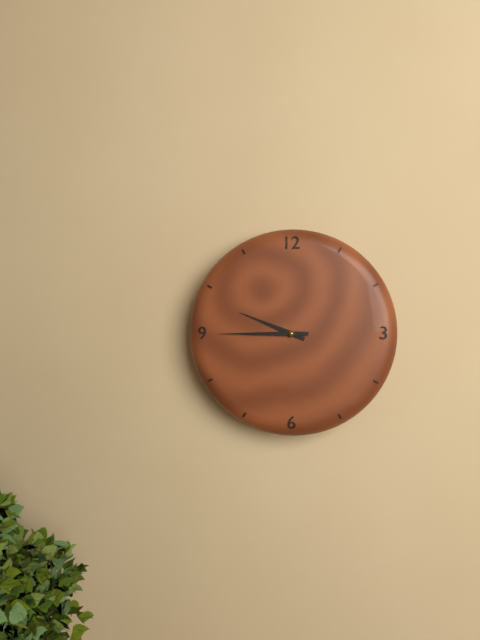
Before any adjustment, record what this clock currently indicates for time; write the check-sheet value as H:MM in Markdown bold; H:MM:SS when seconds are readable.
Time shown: **9:45**
